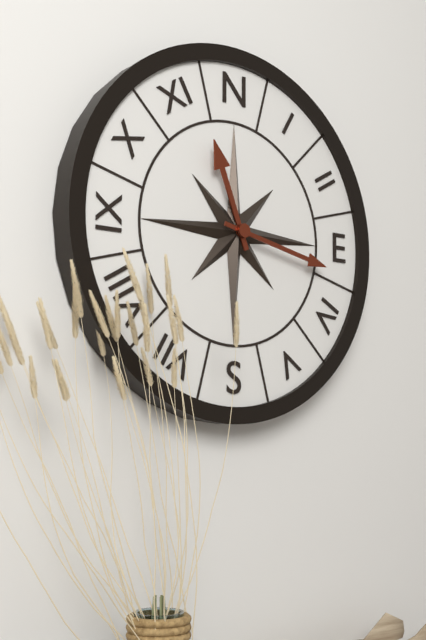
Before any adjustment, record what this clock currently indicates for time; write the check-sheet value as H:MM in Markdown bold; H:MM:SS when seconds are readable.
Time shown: **11:17**
